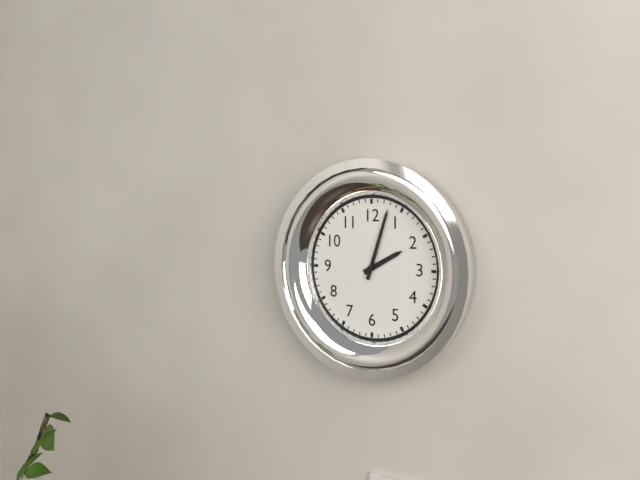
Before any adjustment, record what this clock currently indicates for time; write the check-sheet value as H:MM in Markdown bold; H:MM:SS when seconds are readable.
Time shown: **2:03**
